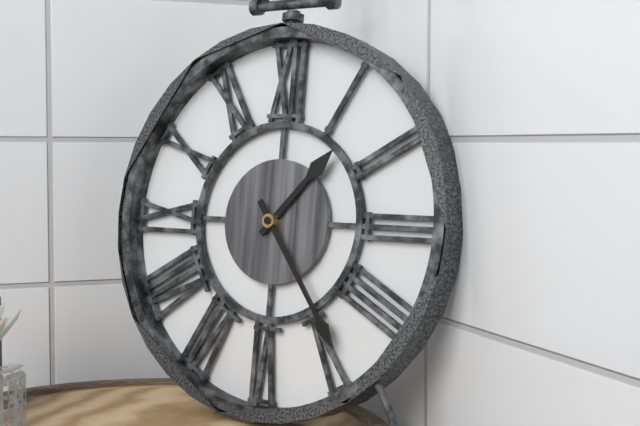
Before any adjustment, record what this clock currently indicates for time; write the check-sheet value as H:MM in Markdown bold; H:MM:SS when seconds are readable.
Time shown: **1:24**
